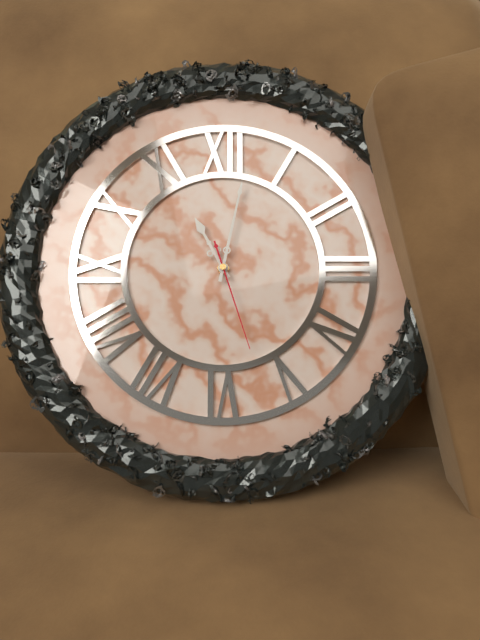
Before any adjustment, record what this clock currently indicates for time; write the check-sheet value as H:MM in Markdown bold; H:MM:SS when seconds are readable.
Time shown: **11:02:27**
